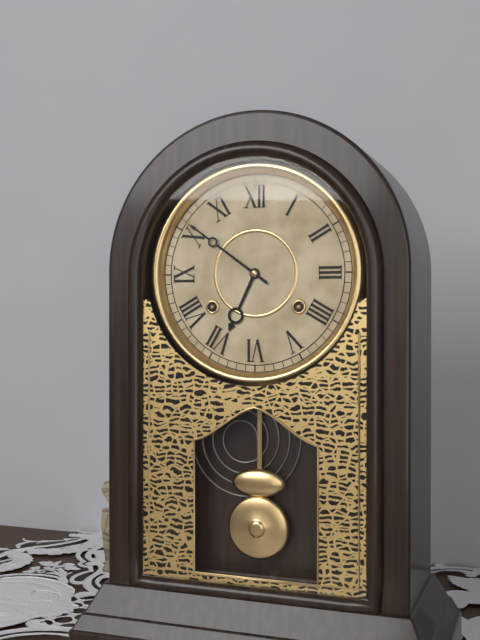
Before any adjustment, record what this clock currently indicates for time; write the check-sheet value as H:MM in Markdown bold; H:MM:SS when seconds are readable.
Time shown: **6:51**
